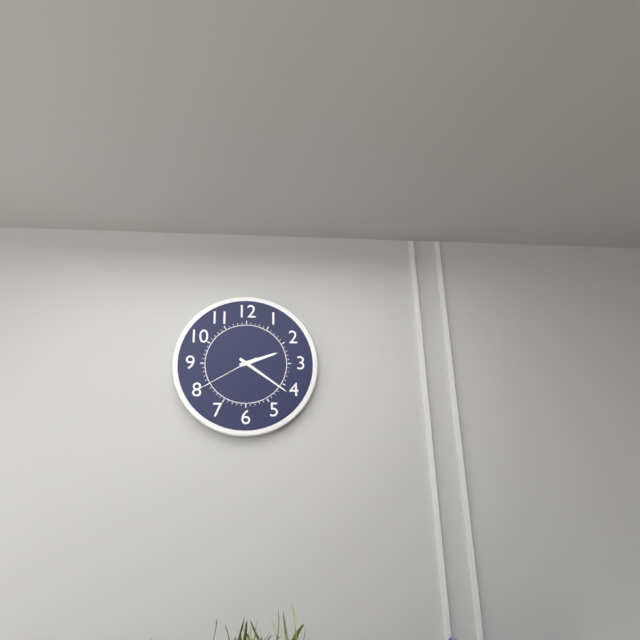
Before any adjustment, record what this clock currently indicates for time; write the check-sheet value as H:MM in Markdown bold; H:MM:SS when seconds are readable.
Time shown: **2:21:40**
